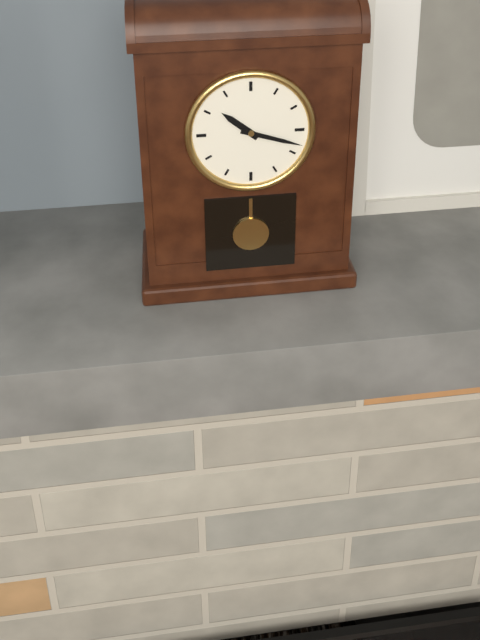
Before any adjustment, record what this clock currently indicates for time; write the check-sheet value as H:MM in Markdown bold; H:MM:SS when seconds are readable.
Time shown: **10:18**
